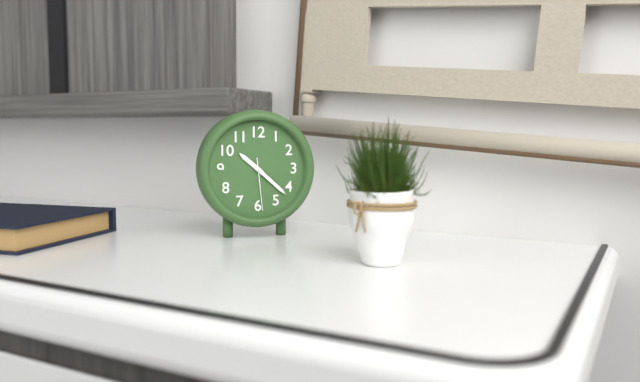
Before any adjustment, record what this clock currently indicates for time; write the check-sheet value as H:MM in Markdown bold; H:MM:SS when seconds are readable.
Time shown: **10:22:29**
